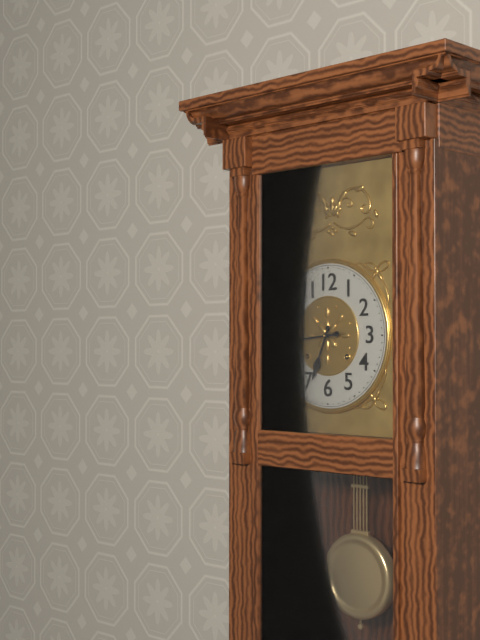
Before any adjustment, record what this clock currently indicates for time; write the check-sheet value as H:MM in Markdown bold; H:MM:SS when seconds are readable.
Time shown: **6:44**
